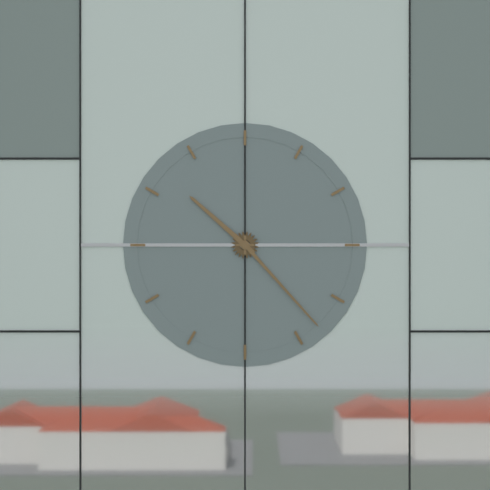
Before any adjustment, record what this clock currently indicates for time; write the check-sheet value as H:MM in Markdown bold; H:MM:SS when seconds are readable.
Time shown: **10:23**
